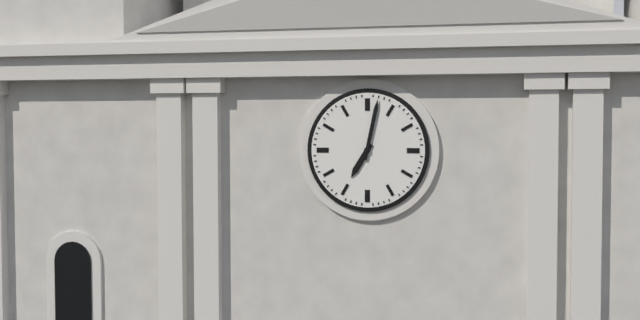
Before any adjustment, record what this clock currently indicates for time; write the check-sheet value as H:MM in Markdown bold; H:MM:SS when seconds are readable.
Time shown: **7:02**
